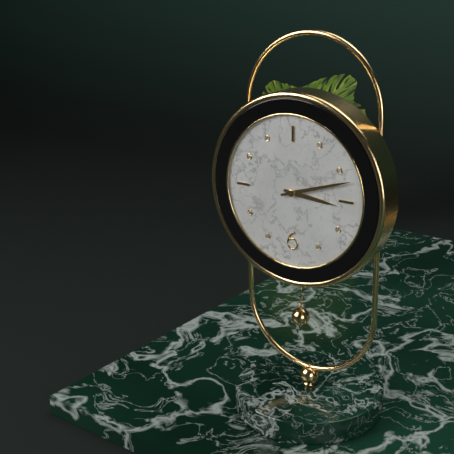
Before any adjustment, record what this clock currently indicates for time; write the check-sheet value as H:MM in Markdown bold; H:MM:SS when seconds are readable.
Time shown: **3:12**
